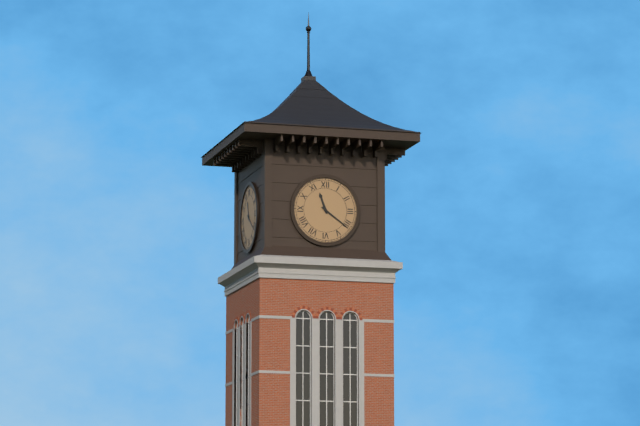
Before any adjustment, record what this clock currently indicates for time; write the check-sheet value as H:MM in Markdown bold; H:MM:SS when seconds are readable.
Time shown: **11:21**
